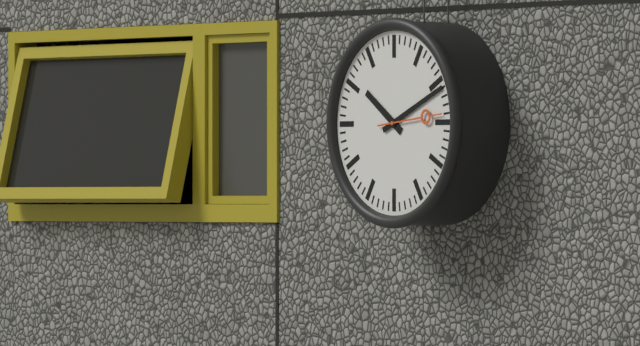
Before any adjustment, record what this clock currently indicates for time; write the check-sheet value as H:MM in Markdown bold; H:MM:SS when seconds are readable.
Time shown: **10:11:14**
